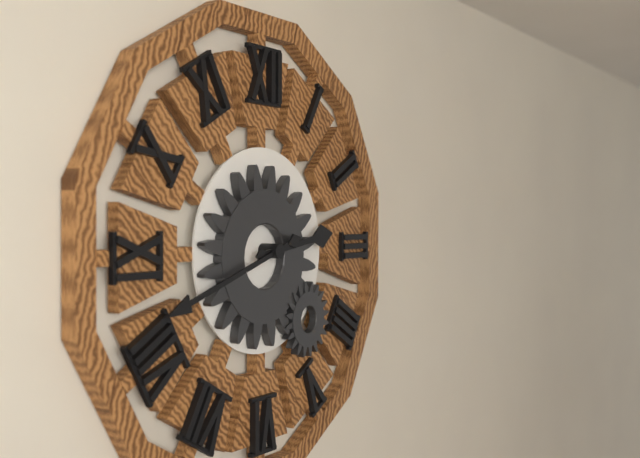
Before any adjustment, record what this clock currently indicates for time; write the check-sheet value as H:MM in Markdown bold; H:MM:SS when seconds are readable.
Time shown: **2:42**
